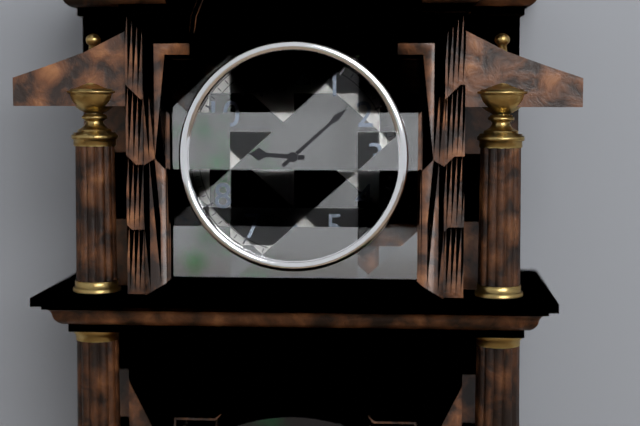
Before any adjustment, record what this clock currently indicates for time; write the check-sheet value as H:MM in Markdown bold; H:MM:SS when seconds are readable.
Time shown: **9:08**
